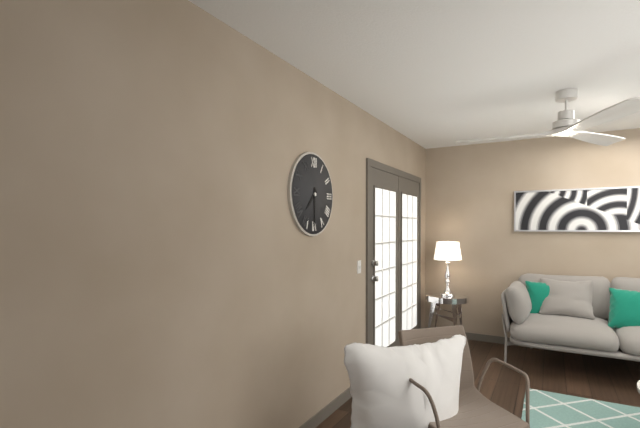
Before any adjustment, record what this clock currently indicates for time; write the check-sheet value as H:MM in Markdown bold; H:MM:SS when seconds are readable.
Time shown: **7:30**
